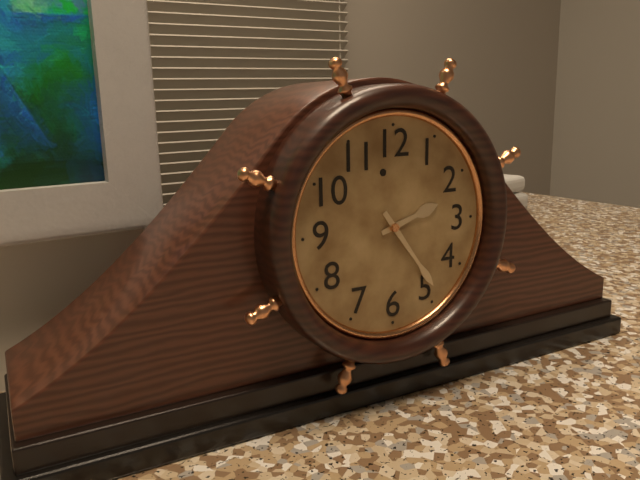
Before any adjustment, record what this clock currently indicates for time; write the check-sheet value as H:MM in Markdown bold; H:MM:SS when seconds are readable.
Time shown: **2:24**
